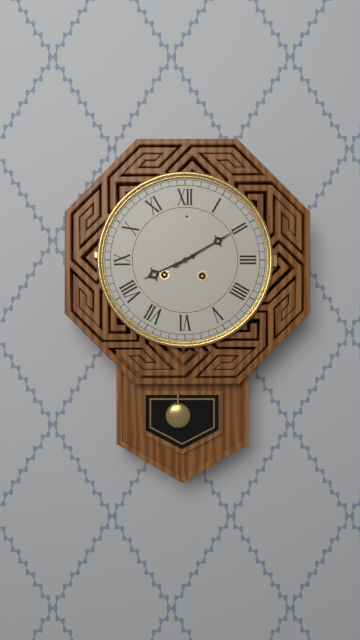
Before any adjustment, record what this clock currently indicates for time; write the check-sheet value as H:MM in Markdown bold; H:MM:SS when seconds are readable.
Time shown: **8:10**
